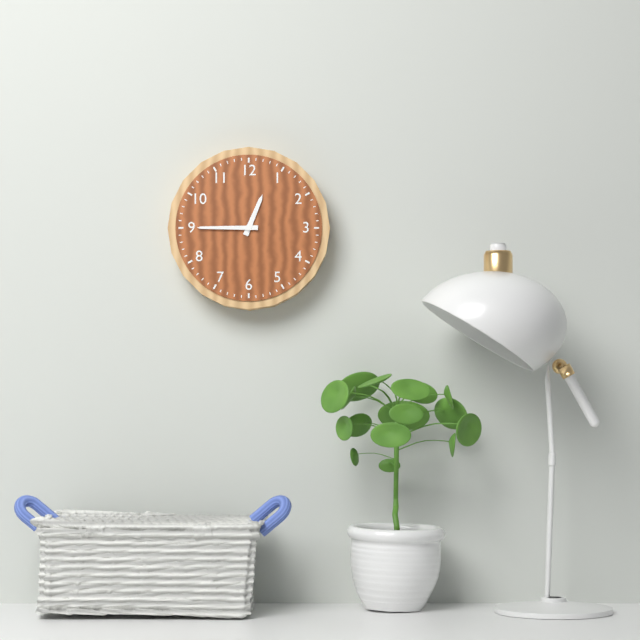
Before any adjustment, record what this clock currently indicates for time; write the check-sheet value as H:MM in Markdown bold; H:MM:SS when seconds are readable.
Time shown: **12:45**
